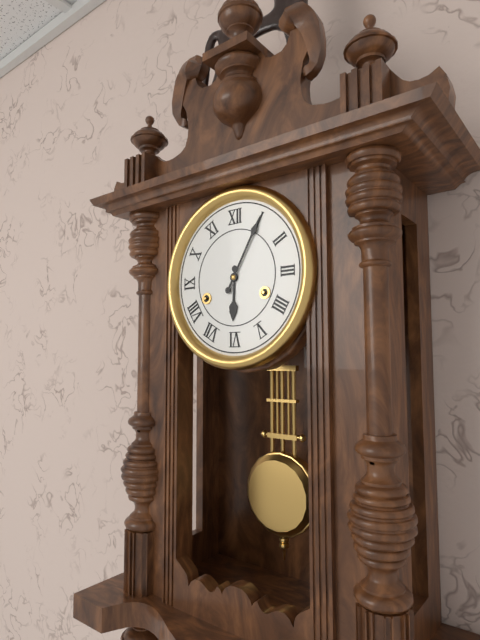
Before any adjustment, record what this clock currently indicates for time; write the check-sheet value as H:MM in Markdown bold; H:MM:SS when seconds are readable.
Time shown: **6:05**
